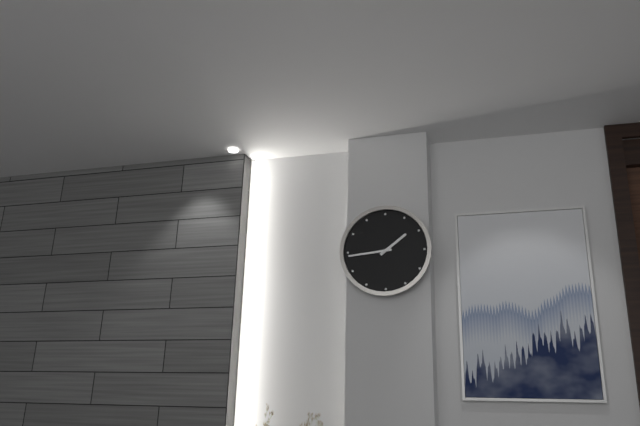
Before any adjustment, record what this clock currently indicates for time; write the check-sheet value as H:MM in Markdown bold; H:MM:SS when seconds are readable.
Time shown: **1:44**
